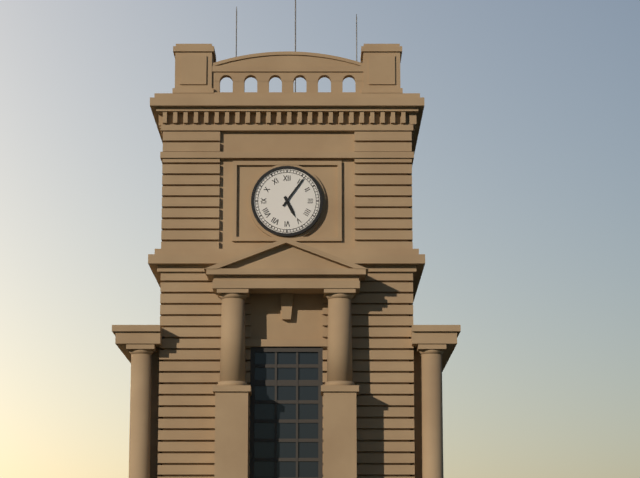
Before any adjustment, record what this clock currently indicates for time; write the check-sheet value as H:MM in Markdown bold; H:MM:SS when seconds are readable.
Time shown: **5:06**
